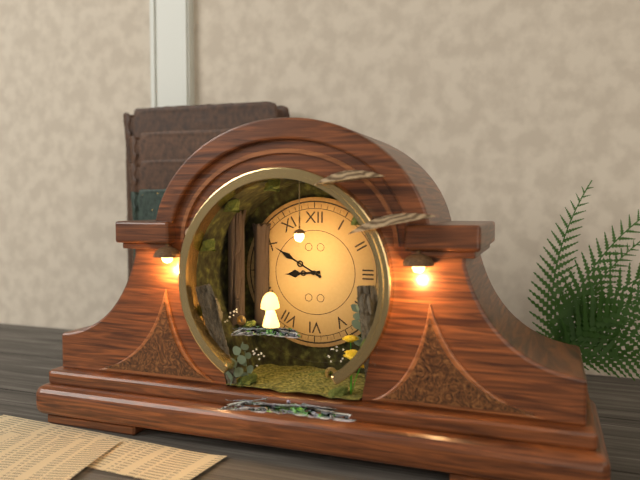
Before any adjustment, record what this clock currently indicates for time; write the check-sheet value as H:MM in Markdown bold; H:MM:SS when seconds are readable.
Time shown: **8:50**
